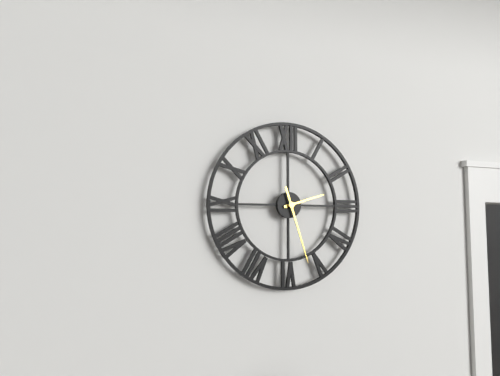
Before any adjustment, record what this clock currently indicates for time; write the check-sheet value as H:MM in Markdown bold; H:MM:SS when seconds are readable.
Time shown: **2:27**
